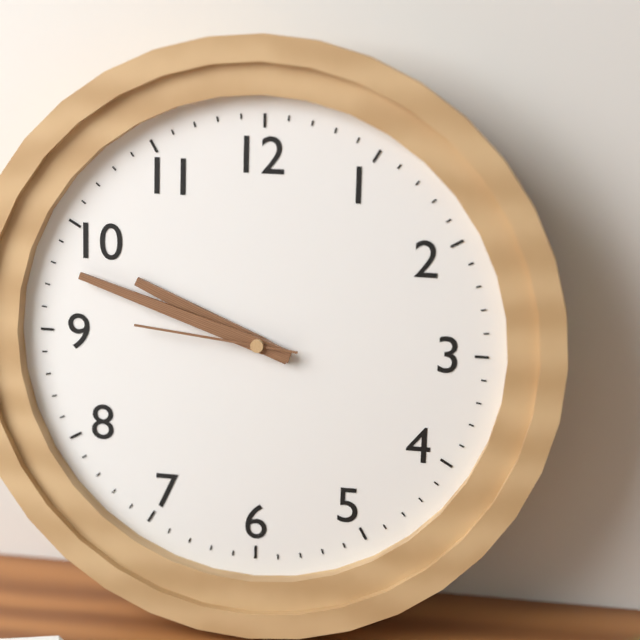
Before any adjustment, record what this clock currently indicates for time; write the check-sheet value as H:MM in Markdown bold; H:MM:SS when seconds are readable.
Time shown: **9:48:46**
